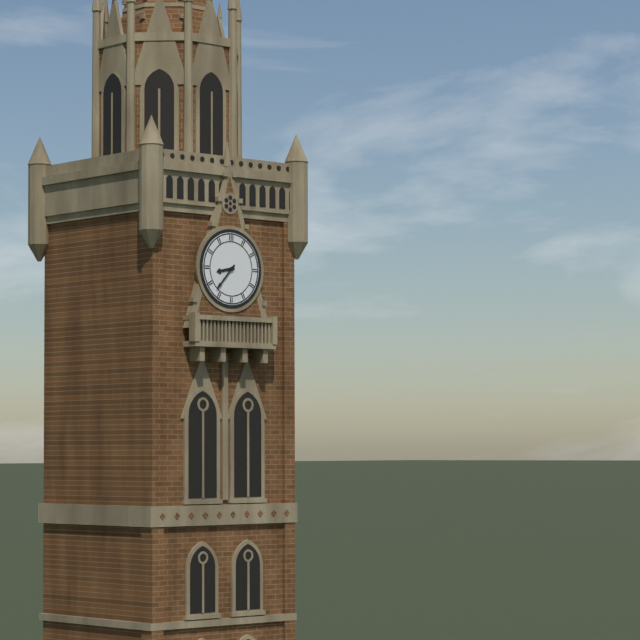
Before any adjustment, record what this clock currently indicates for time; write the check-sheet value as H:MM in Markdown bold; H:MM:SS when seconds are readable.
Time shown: **8:37**
